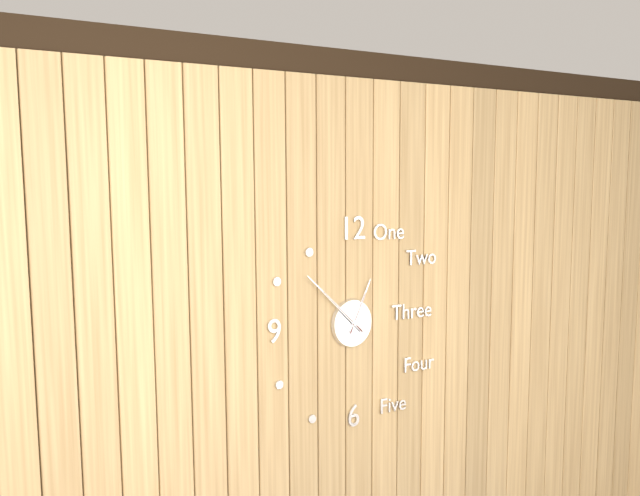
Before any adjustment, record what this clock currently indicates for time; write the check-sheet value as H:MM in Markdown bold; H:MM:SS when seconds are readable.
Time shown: **12:52**
